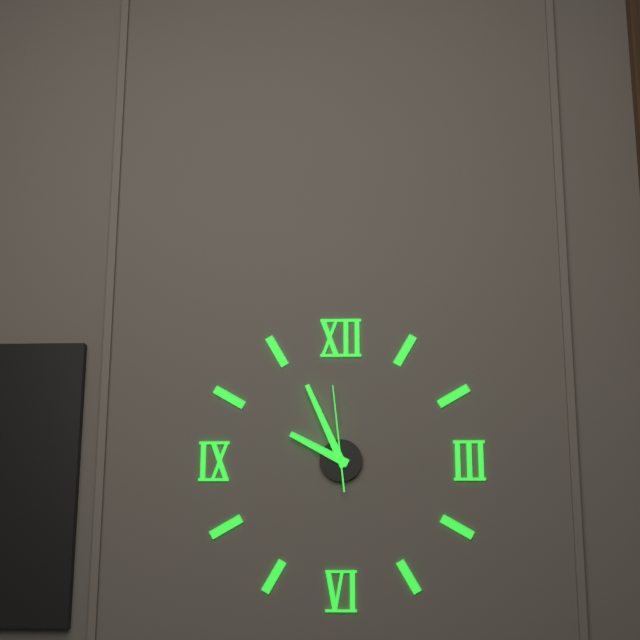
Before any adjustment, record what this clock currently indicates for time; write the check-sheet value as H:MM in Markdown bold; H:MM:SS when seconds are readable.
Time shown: **9:56:59**
